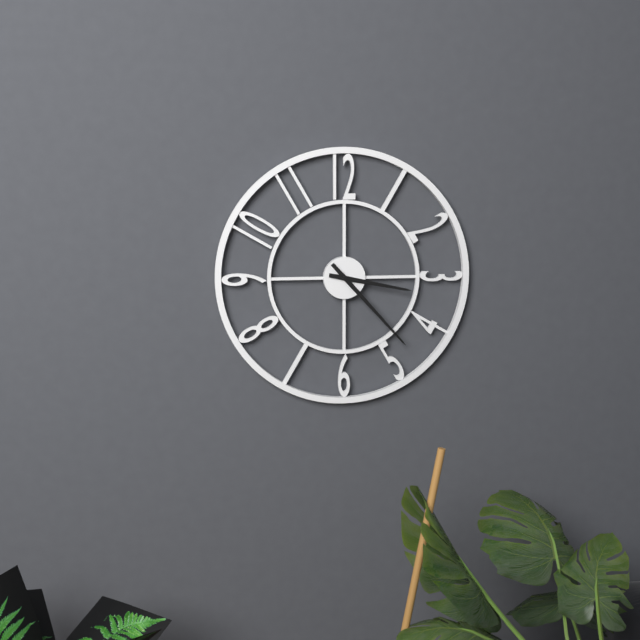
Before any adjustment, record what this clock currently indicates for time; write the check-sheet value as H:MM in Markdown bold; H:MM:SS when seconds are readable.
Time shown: **3:23**
